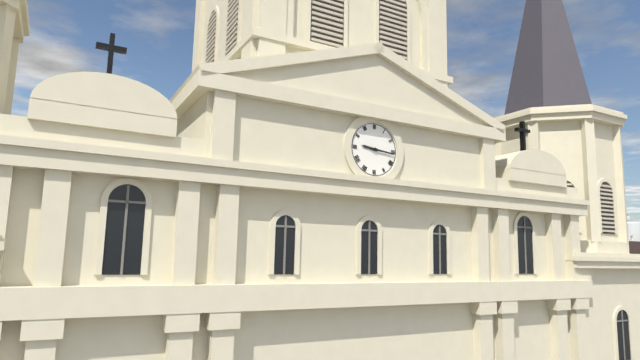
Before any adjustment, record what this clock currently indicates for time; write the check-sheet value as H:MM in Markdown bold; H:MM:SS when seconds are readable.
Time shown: **9:16**
